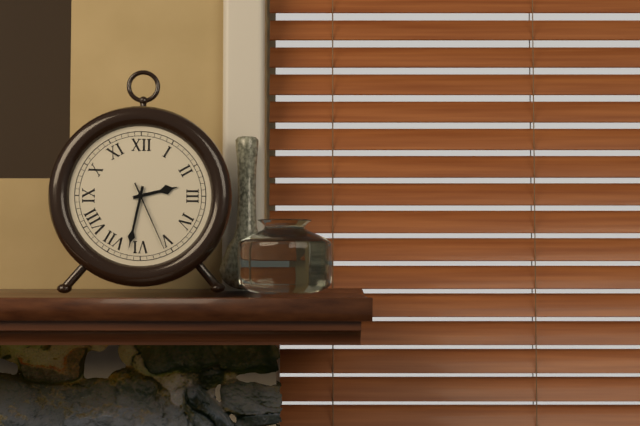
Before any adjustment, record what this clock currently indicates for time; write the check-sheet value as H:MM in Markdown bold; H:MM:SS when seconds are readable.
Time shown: **2:32:26**
